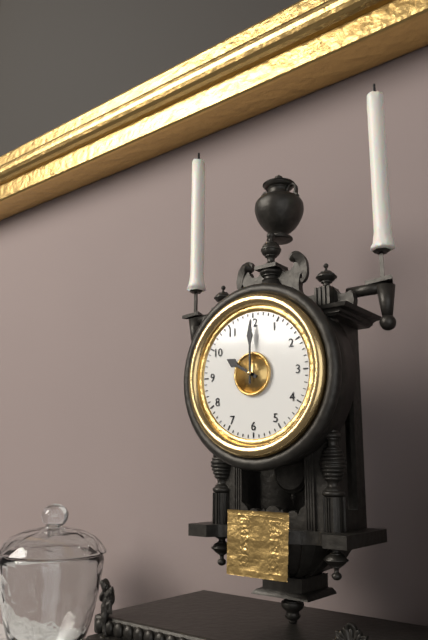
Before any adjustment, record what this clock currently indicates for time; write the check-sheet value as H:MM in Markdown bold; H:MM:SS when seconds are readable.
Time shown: **10:00**
